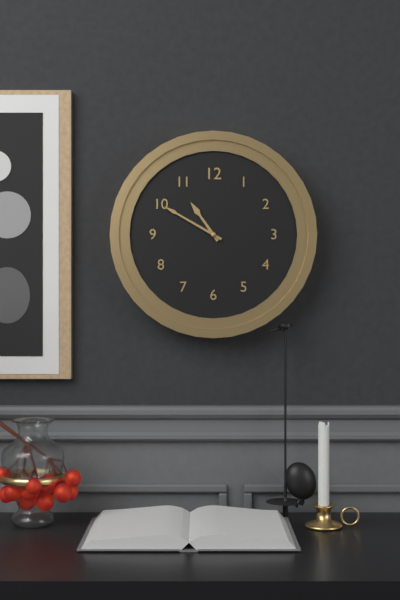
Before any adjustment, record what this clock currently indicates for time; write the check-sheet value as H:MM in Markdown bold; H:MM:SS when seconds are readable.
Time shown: **10:50**
